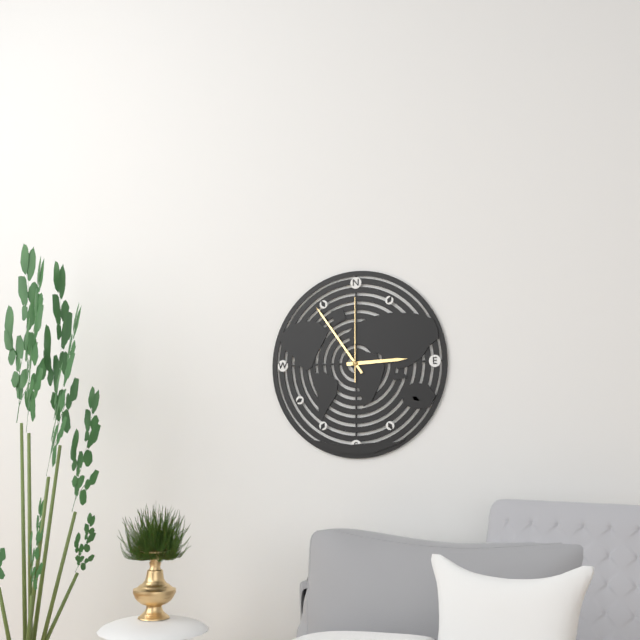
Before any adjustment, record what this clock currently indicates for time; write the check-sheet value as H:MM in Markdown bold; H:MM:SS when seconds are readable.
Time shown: **2:54:00**
